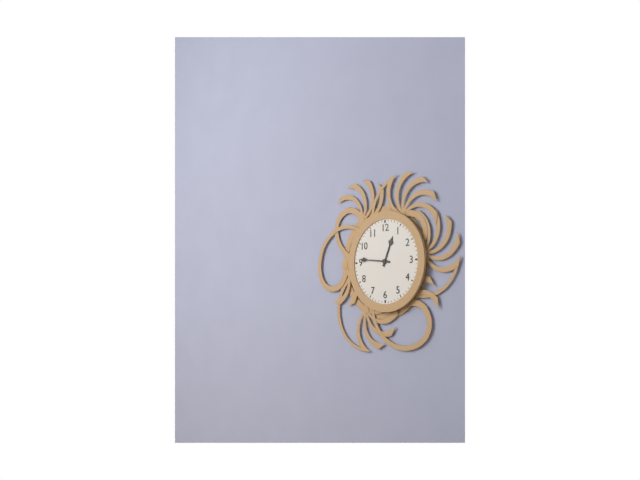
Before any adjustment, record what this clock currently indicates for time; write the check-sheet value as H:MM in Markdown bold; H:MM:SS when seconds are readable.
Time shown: **12:46**
